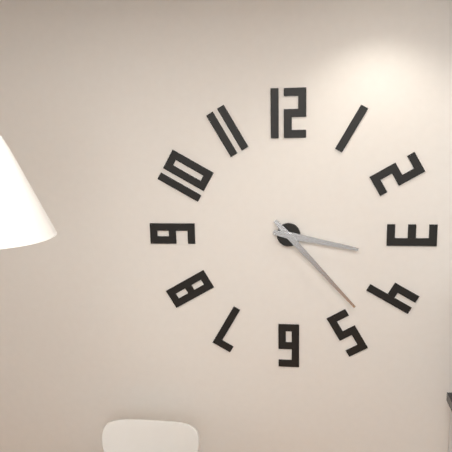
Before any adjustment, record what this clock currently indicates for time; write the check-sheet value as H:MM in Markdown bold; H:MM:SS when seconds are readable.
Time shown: **3:23**
